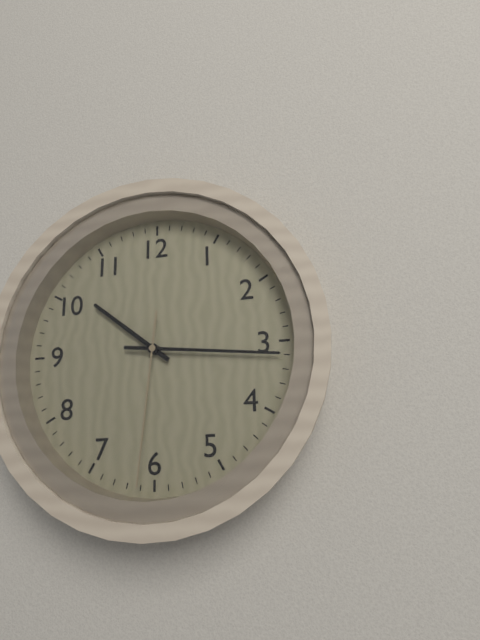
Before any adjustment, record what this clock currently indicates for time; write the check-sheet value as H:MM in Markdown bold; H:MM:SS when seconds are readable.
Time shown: **10:16:31**
